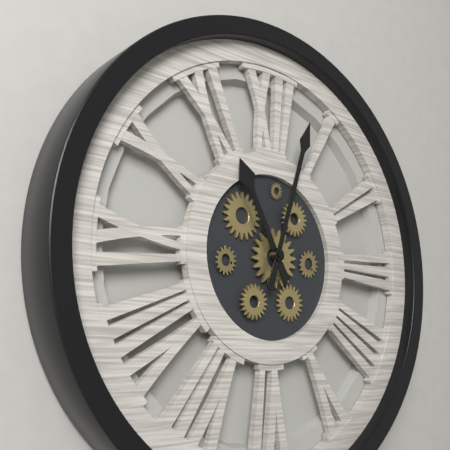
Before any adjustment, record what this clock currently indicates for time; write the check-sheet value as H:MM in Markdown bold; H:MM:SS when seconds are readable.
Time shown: **11:03**
